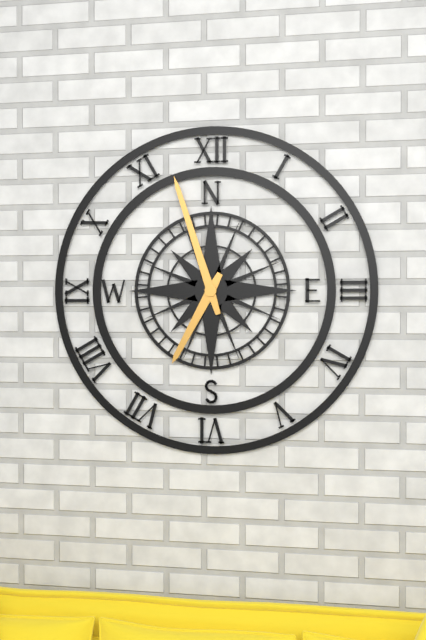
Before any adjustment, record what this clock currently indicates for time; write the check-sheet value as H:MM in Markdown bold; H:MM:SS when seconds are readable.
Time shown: **6:57**
